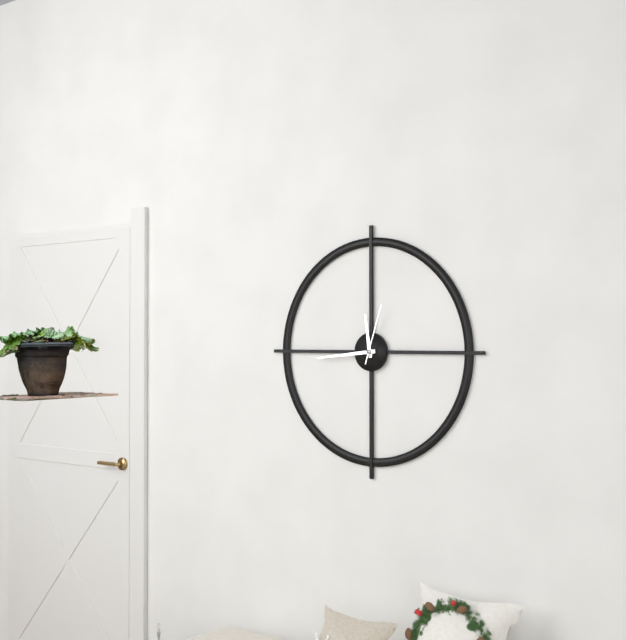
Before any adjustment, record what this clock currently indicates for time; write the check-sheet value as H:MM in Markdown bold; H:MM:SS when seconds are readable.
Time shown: **11:44:03**
